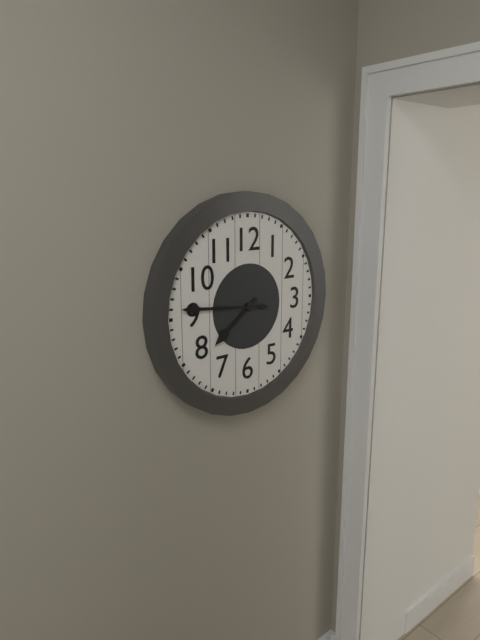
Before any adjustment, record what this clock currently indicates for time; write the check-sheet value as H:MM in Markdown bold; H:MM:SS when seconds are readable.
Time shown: **7:46**
